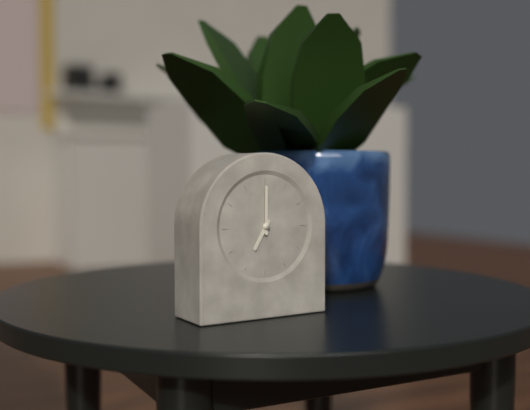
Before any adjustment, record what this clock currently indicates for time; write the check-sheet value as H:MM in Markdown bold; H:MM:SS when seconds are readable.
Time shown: **7:00**
